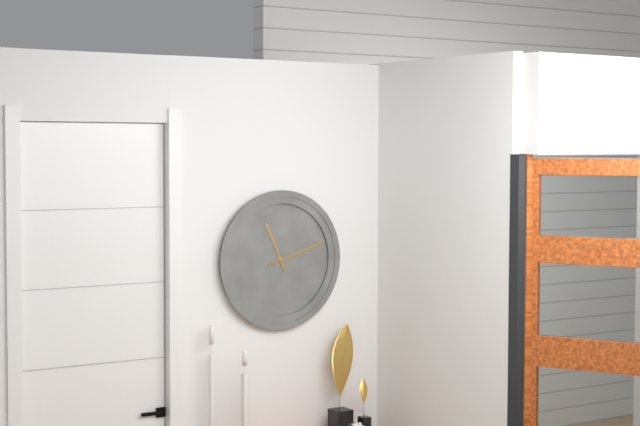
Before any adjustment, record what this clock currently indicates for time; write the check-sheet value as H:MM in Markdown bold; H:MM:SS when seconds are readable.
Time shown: **11:12**
